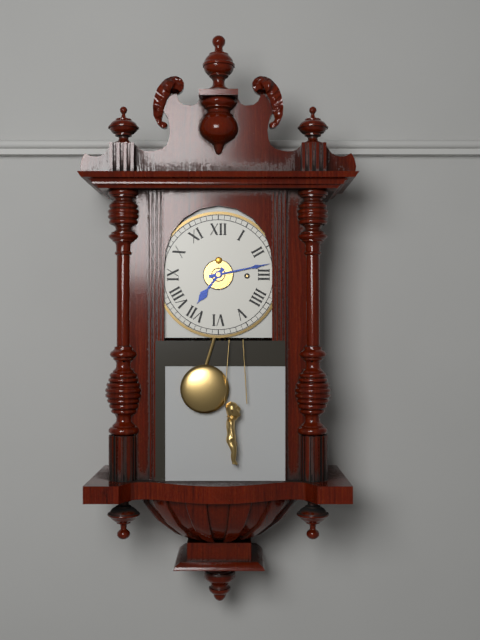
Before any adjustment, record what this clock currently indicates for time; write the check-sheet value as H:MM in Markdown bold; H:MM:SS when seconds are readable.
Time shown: **7:13**
